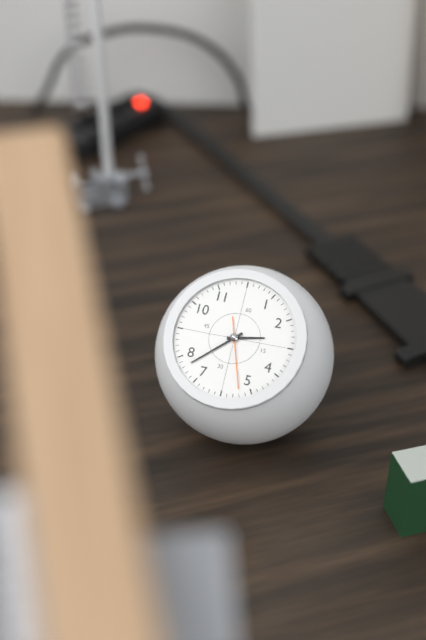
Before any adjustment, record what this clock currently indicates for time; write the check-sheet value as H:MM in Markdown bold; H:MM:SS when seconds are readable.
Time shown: **2:38:27**
